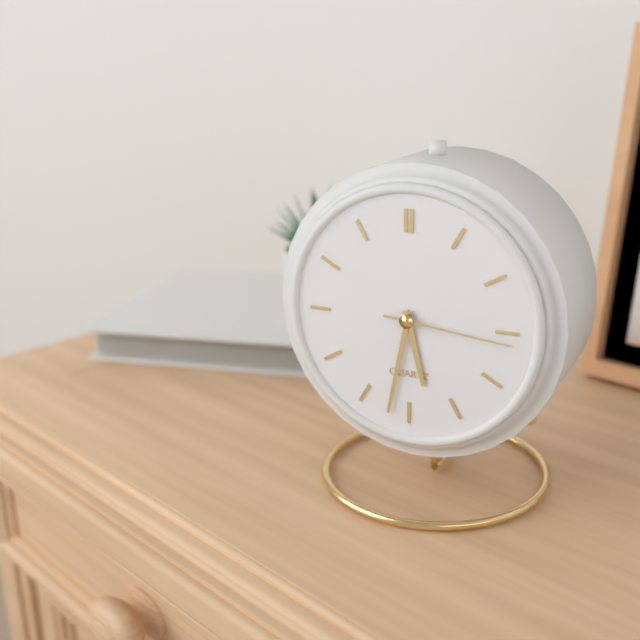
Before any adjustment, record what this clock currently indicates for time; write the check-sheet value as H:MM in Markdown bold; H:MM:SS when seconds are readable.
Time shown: **5:32:16**
